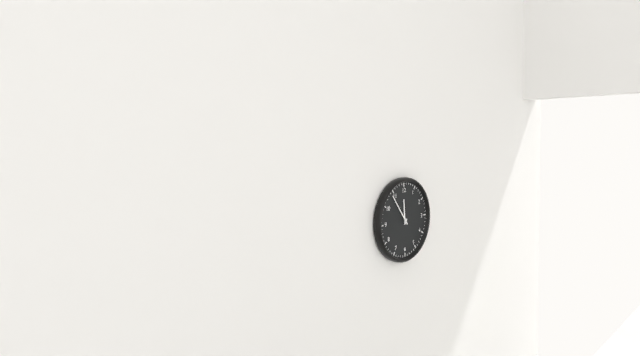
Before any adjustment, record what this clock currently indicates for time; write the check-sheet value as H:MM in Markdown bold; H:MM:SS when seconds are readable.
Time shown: **11:54**
